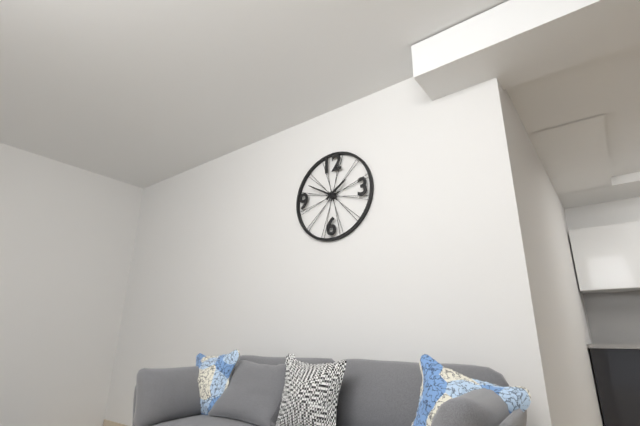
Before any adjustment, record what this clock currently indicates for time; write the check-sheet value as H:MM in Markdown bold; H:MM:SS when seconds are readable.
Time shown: **1:50**
